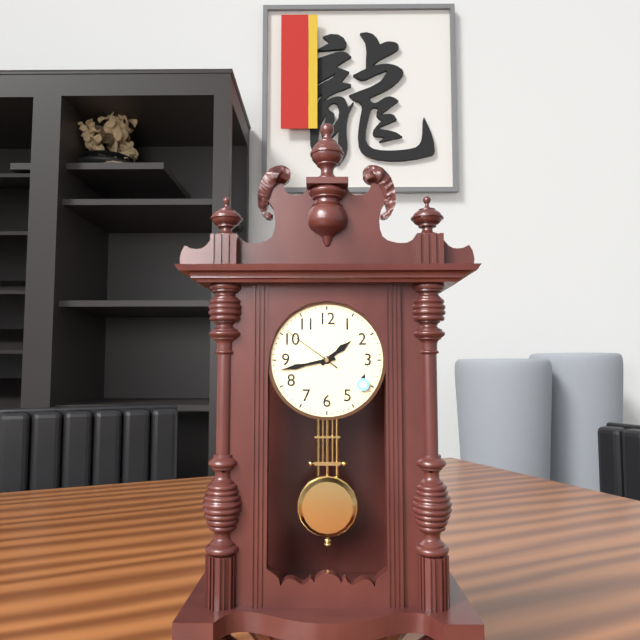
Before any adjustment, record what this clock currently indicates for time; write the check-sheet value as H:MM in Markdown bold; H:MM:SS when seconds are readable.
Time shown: **1:43:51**
